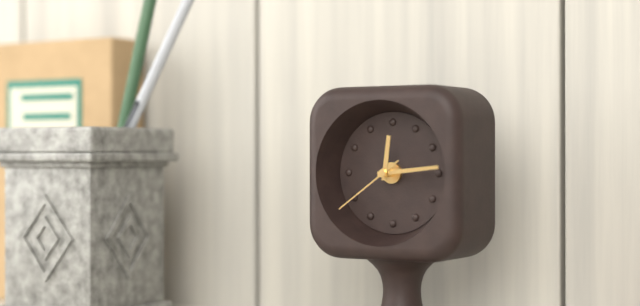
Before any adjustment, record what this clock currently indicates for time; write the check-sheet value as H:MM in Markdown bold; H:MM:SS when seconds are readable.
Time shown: **12:14:39**
